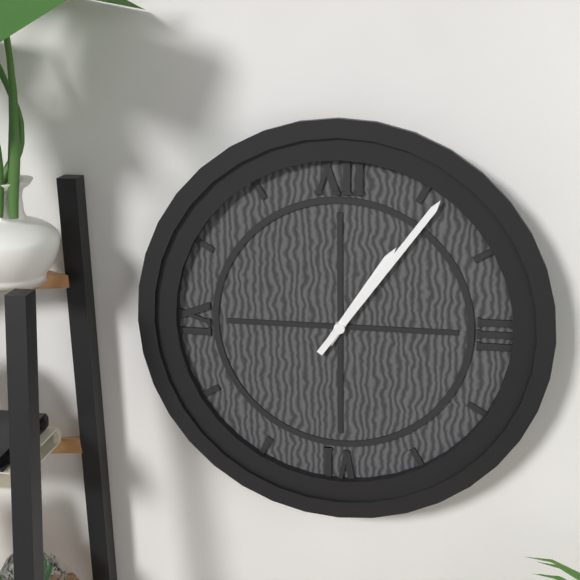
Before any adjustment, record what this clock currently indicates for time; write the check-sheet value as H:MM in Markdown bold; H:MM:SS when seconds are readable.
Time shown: **1:06**
